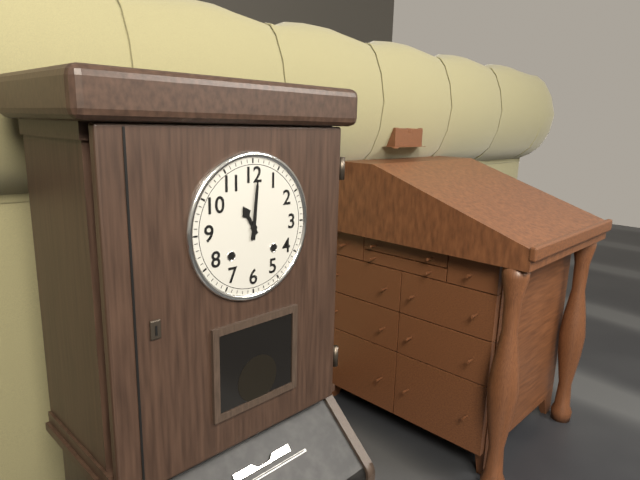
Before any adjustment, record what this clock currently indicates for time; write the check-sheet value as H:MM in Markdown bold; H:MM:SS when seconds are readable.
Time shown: **11:01**
